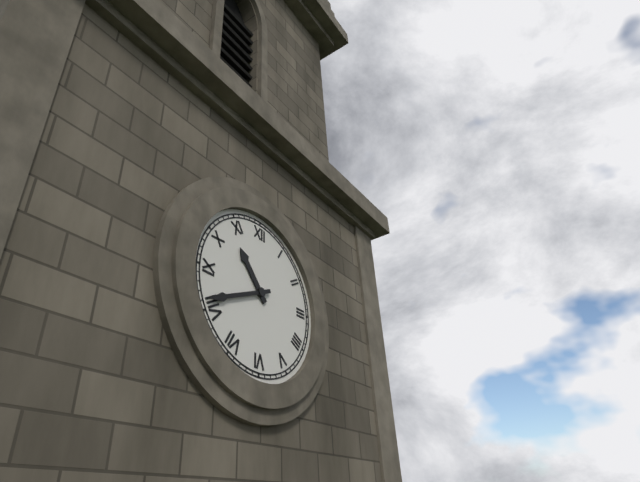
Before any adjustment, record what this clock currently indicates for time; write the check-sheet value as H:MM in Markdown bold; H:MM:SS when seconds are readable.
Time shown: **10:41**
